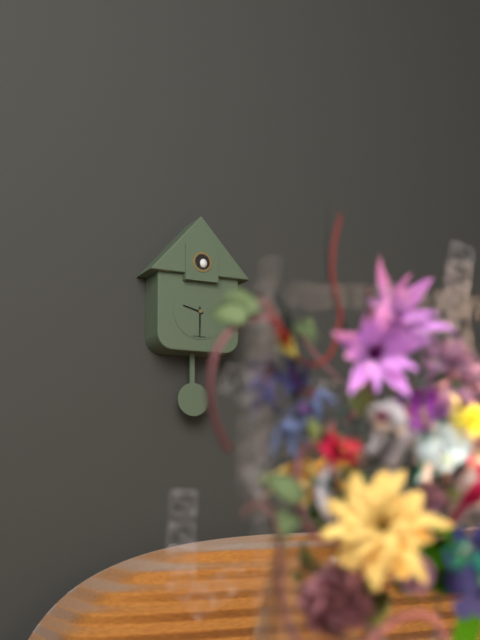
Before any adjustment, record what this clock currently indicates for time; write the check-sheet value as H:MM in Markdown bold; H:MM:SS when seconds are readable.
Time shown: **9:30**
